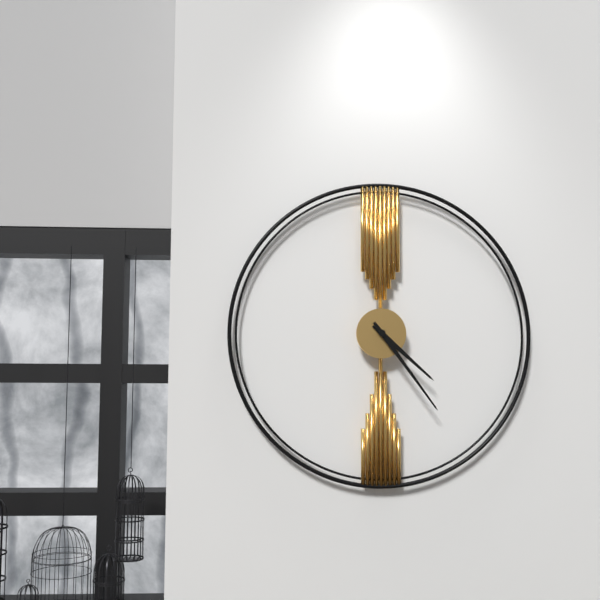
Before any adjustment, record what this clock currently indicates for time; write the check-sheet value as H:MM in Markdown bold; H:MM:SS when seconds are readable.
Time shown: **4:24**
